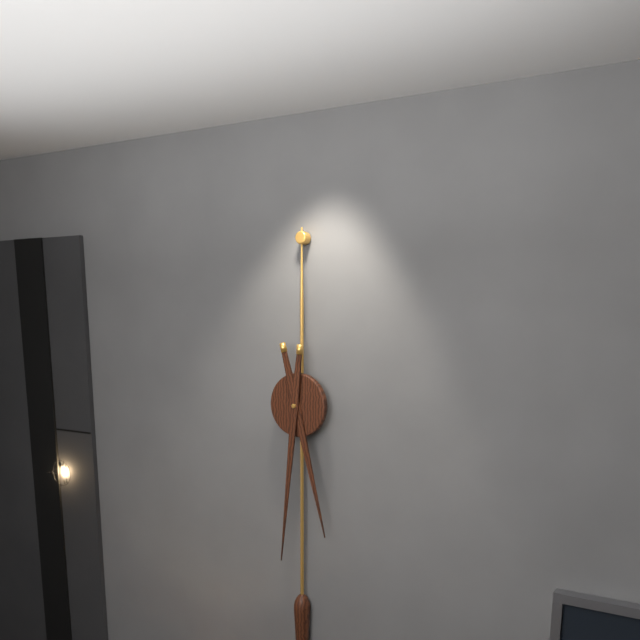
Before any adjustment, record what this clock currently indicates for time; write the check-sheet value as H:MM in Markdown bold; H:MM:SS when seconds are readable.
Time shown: **5:31**
